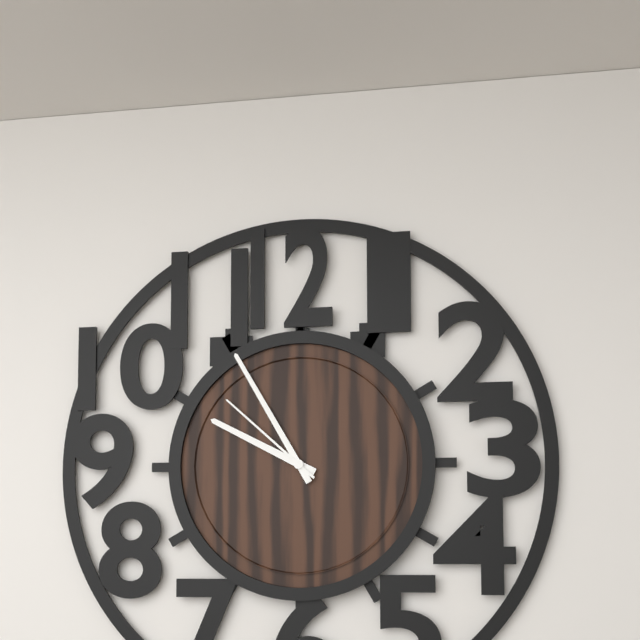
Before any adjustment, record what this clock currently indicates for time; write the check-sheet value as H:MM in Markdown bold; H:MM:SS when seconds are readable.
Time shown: **9:55:52**
